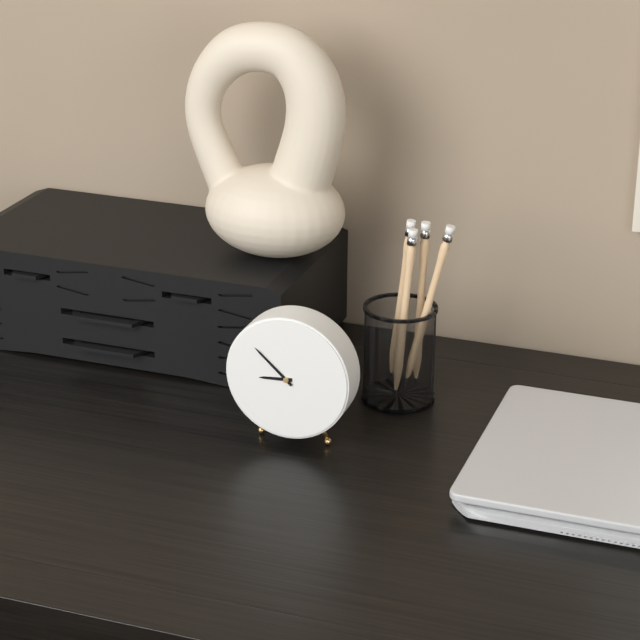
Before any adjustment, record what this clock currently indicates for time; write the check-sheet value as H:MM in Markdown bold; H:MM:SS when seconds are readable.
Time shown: **8:52**
